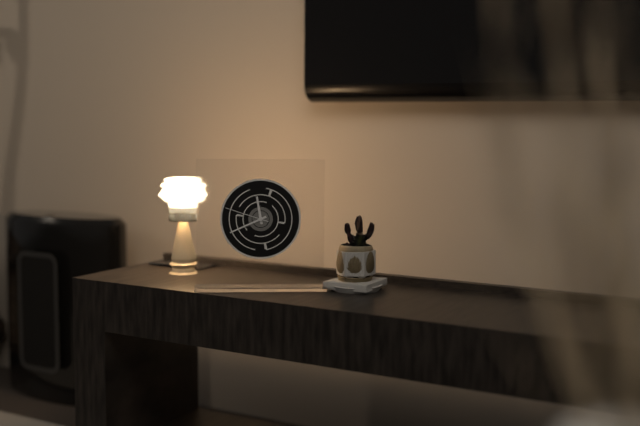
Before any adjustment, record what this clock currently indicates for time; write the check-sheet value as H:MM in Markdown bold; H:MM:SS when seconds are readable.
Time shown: **11:41**
